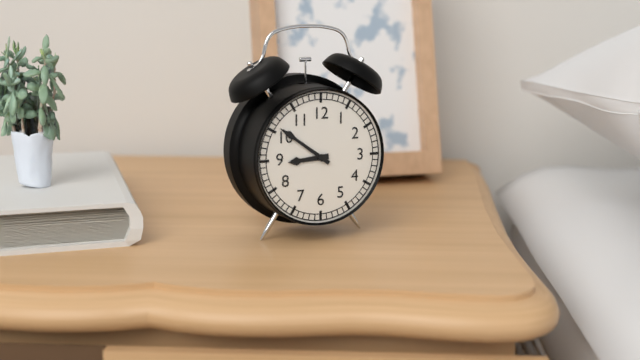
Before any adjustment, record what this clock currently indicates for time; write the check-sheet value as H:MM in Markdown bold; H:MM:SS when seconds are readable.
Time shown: **8:51**
